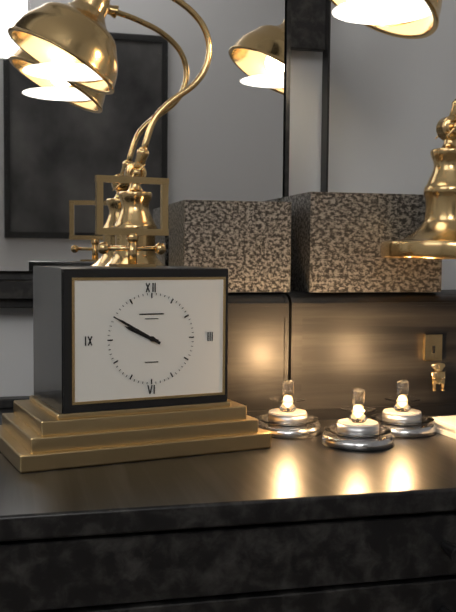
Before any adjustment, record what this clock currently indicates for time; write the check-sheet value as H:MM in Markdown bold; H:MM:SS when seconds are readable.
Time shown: **9:50**
